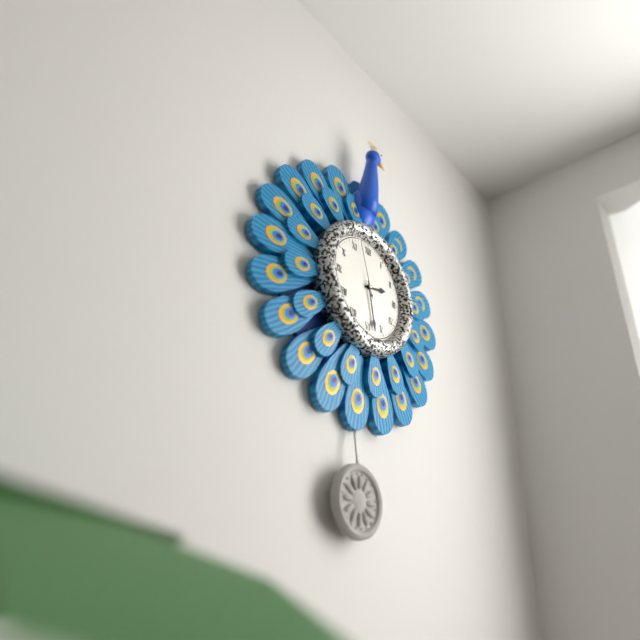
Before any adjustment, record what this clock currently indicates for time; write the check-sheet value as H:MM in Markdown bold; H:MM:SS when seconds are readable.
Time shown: **2:28:57**
